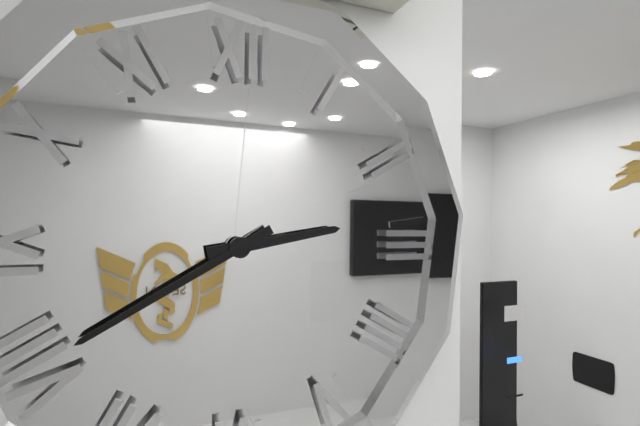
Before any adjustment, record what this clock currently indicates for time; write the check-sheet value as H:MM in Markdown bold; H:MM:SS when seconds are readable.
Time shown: **2:40**
